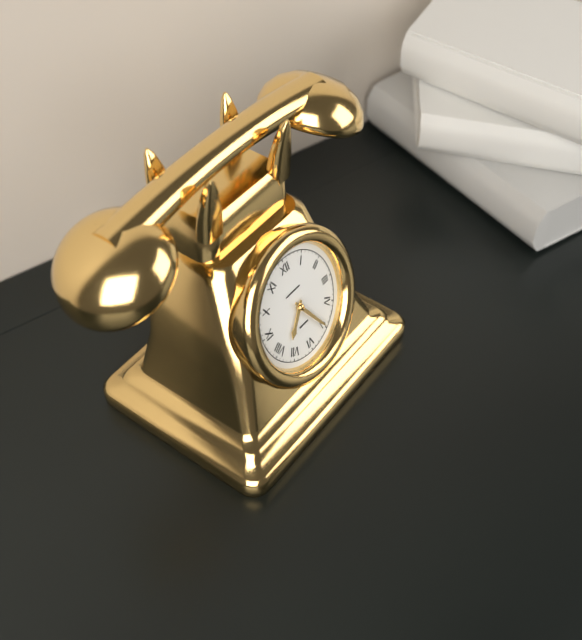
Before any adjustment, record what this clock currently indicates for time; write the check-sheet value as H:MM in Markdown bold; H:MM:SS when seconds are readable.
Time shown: **7:25**
